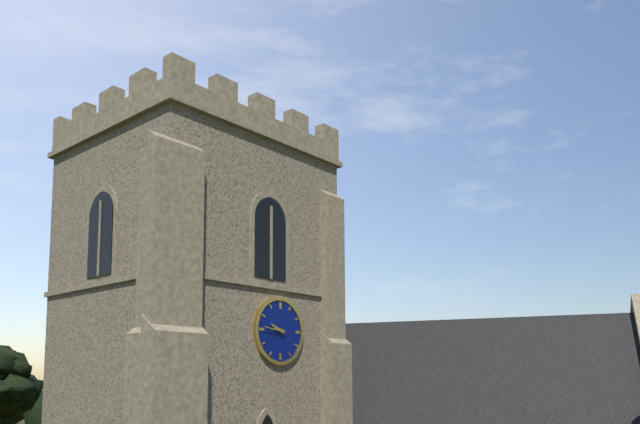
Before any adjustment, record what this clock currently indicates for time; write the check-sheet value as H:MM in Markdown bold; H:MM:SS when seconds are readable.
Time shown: **9:46**
